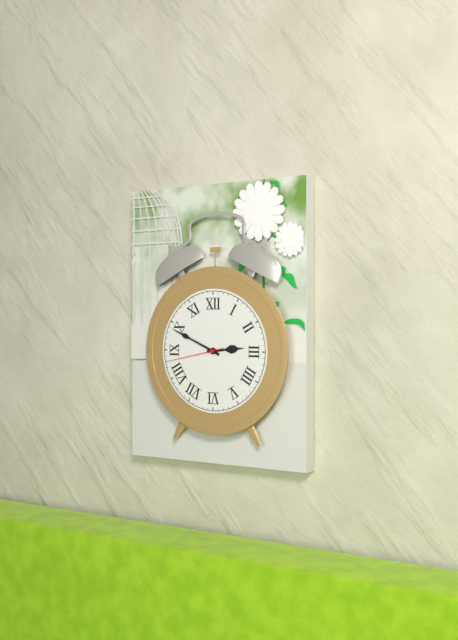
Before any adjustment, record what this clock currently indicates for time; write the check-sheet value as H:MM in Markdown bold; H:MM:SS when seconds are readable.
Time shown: **2:49:43**
